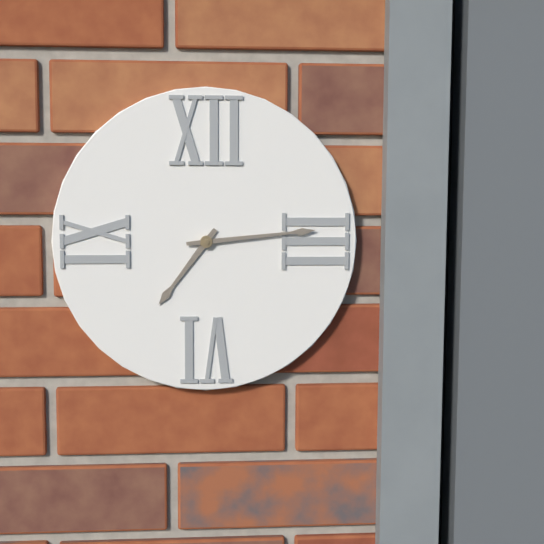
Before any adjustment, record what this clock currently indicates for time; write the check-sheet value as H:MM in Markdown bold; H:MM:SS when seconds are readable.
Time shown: **7:14**
